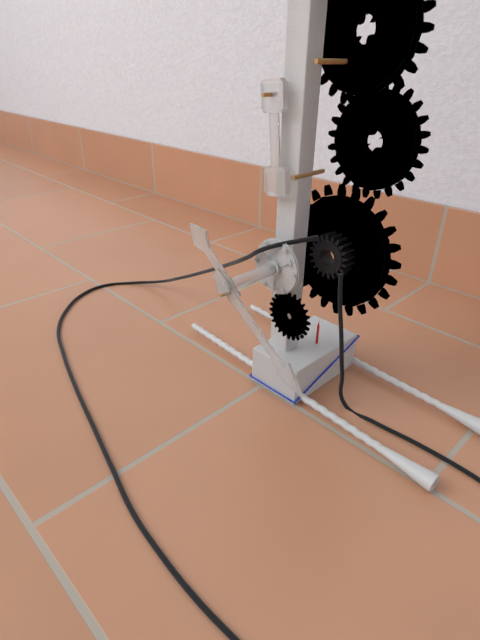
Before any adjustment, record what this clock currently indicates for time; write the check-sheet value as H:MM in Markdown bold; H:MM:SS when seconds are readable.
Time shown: **10:21**
